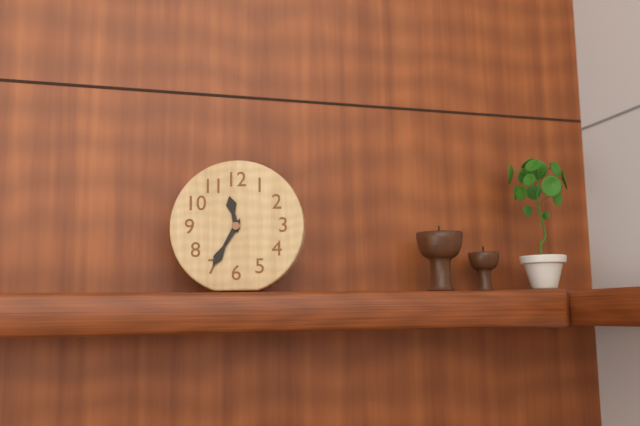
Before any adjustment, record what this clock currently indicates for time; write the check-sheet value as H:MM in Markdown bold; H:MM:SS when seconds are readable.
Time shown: **11:35**
